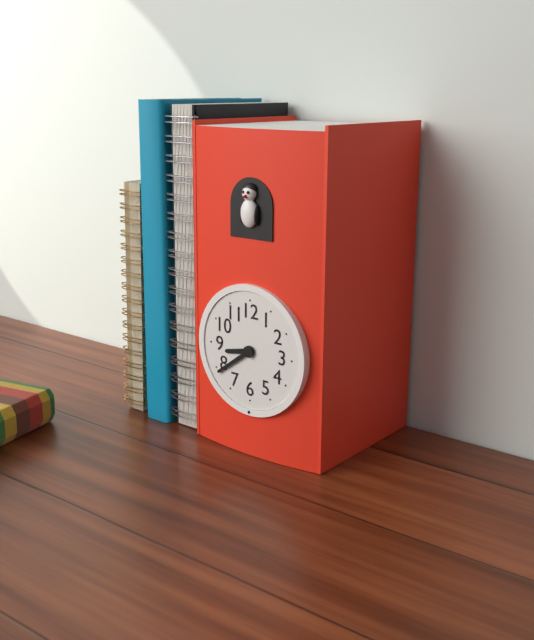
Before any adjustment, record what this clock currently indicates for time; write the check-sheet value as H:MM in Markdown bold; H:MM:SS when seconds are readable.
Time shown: **8:39**
